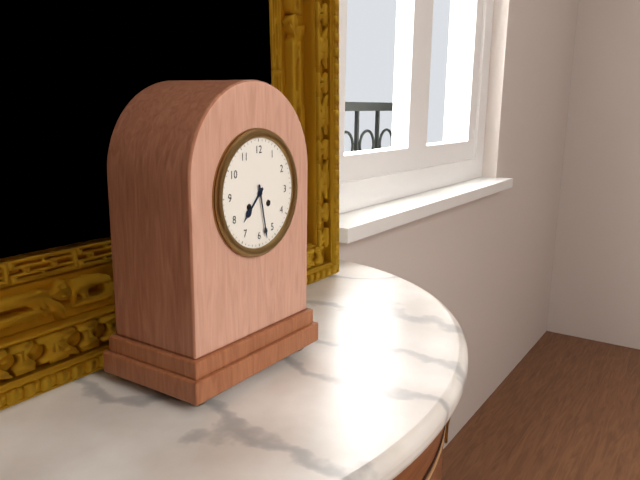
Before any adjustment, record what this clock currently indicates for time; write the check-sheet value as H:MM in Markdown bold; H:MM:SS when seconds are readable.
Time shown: **7:28**
